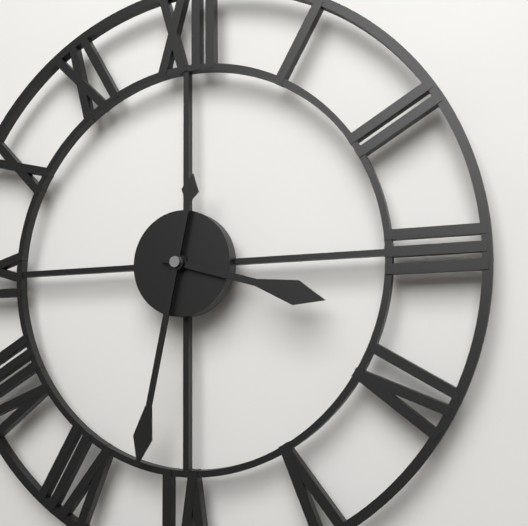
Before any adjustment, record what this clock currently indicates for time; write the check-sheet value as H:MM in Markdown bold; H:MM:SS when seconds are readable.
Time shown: **3:32**
